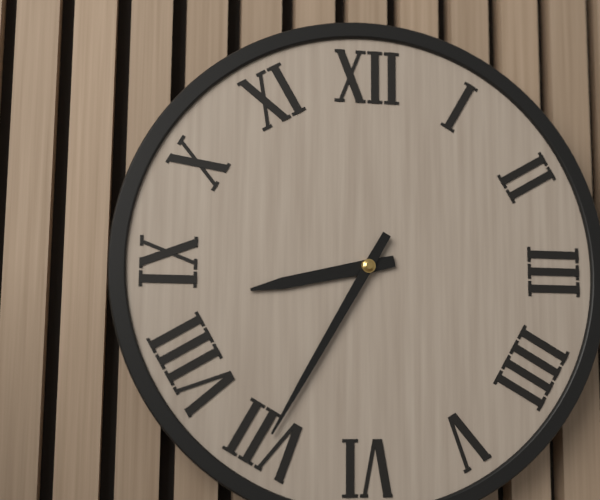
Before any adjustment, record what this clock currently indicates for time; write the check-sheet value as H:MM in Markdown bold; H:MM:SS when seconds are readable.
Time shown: **8:35**
